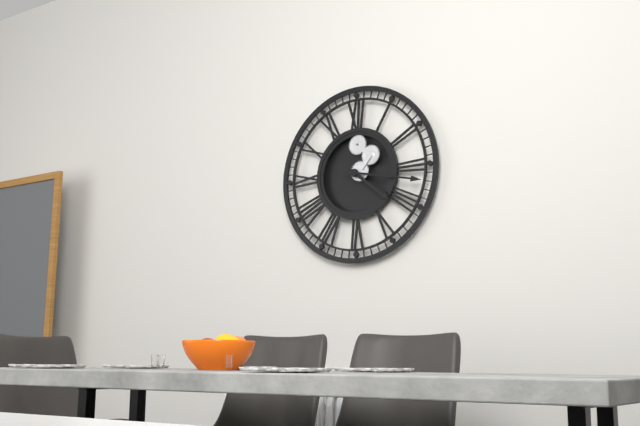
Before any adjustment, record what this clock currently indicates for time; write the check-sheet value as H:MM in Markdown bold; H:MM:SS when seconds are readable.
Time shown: **4:17**
